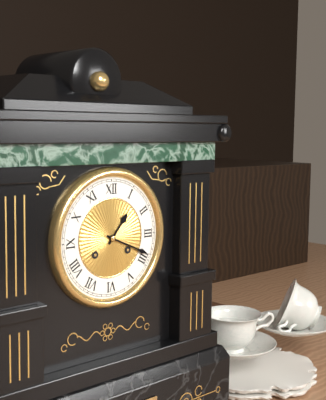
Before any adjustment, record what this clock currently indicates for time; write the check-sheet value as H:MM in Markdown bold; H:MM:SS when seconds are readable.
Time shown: **1:19**
